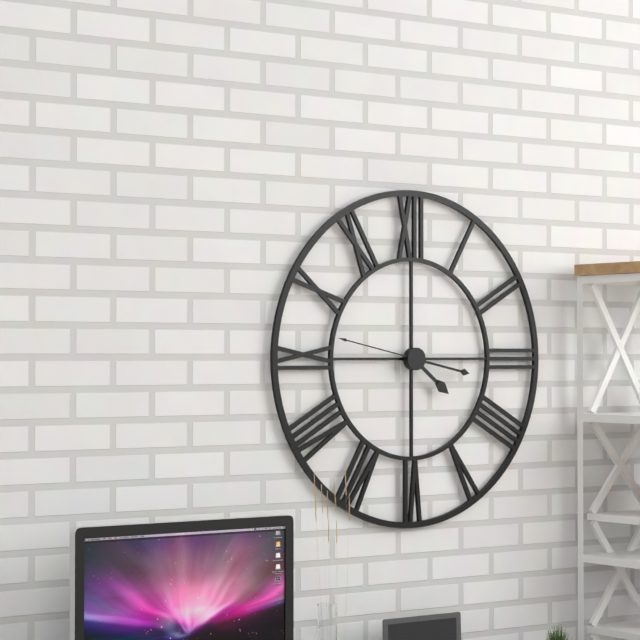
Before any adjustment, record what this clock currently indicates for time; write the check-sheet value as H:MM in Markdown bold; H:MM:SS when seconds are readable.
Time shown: **4:17:47**
